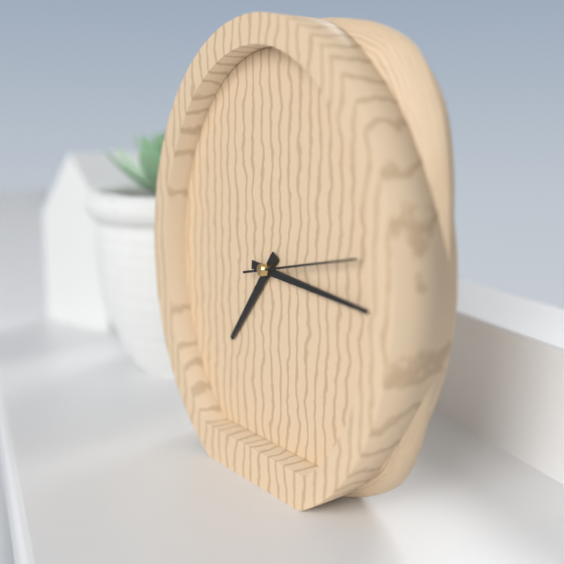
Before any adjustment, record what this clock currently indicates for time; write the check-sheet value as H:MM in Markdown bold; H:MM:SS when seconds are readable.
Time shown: **7:16:13**
